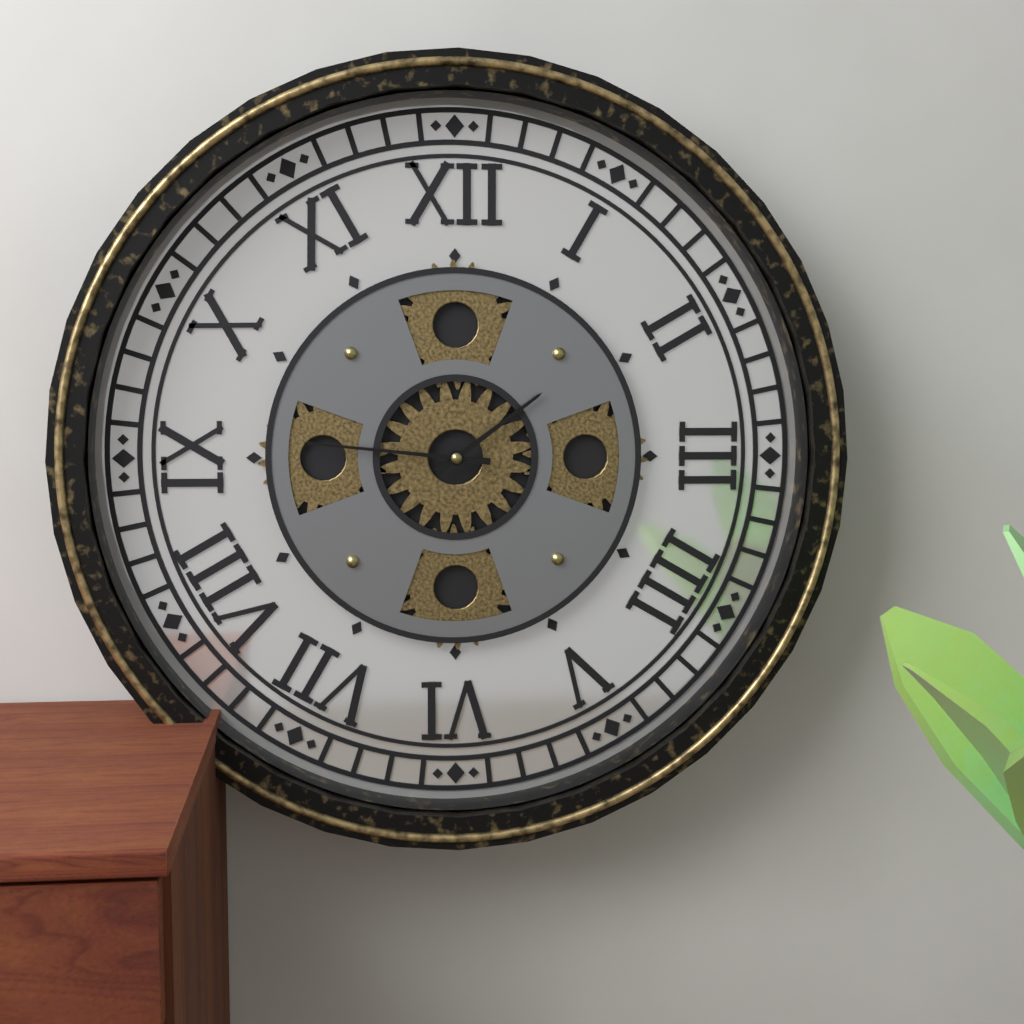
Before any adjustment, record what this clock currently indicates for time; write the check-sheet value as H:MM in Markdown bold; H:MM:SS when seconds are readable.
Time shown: **1:46**
